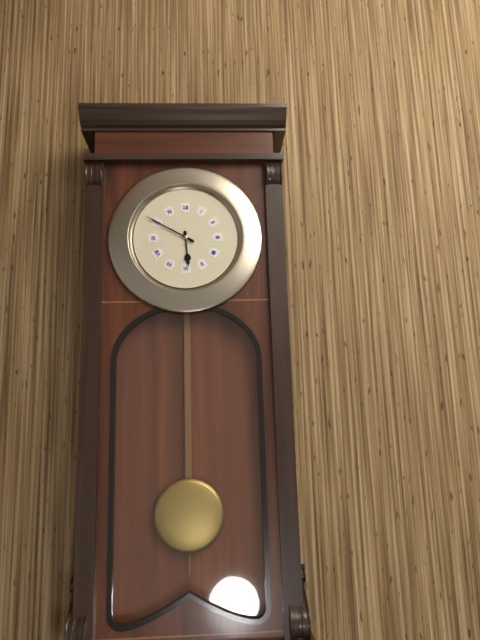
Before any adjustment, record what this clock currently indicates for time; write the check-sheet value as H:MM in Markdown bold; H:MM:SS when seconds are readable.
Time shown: **5:50**
